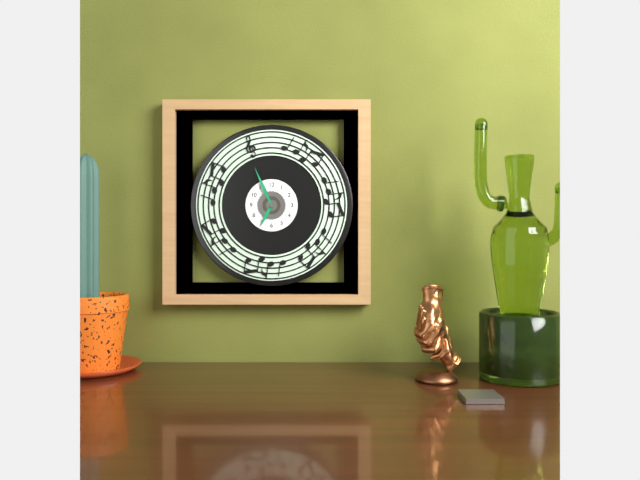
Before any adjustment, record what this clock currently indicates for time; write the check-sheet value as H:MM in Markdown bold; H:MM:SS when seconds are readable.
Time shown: **6:56**
